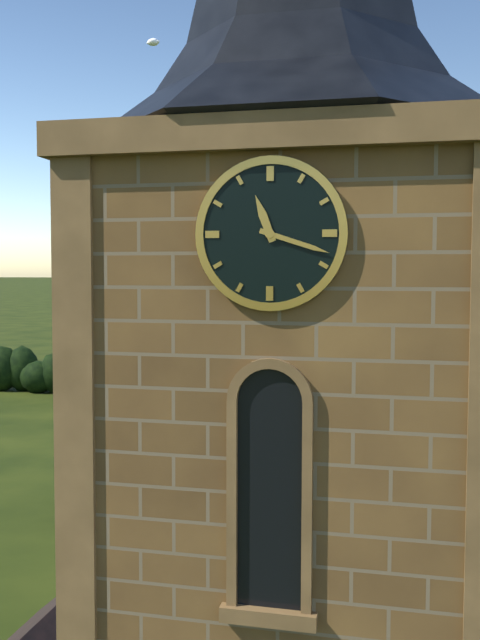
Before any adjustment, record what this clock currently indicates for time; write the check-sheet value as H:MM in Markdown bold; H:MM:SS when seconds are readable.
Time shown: **11:18**
